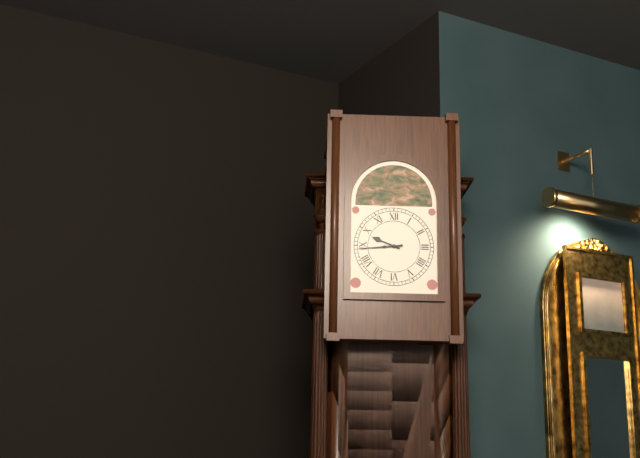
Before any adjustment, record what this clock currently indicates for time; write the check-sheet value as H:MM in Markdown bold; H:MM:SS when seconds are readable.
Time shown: **9:44**
